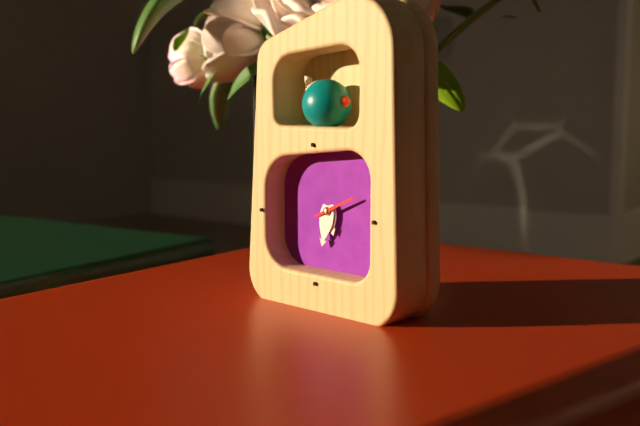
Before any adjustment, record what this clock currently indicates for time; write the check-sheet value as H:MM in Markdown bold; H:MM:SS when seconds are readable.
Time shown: **5:32**
